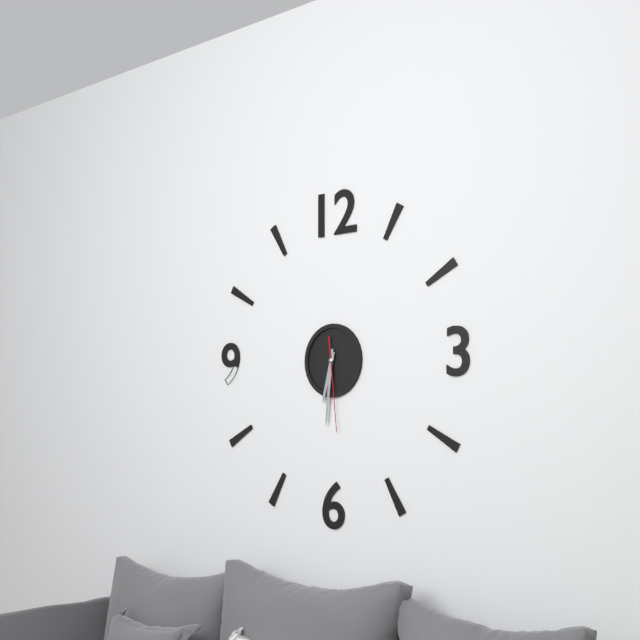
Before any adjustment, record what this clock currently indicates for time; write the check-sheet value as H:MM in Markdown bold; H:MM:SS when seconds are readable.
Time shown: **6:31:29**
